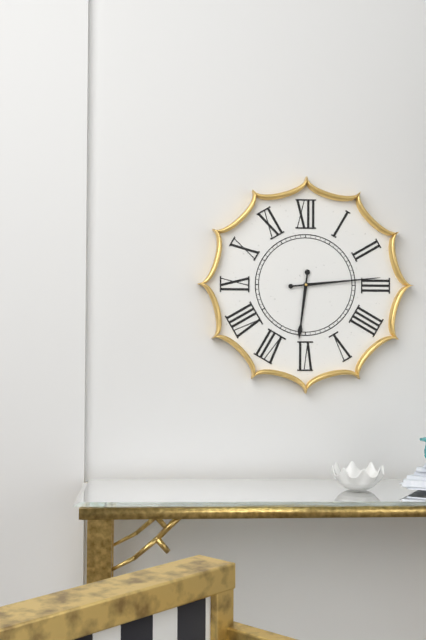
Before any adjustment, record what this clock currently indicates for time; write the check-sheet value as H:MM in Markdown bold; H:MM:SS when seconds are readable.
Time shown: **6:14**
